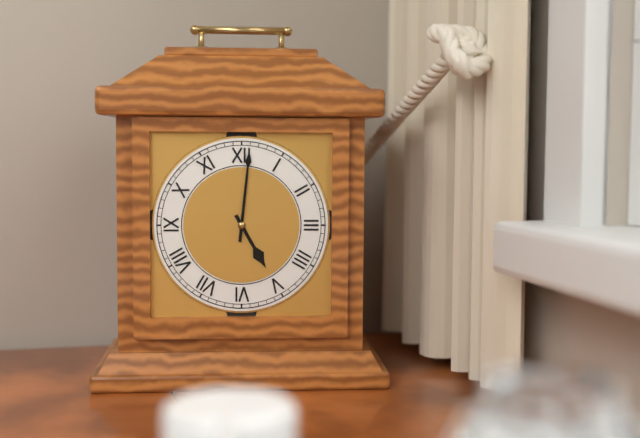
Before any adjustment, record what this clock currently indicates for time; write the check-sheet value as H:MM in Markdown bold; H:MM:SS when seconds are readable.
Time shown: **5:01**
